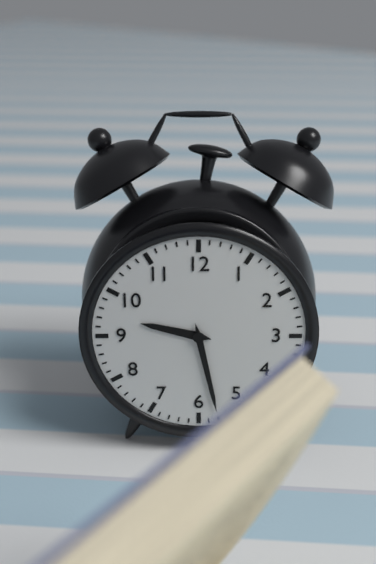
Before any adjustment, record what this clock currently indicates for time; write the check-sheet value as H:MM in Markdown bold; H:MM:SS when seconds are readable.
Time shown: **9:28**
